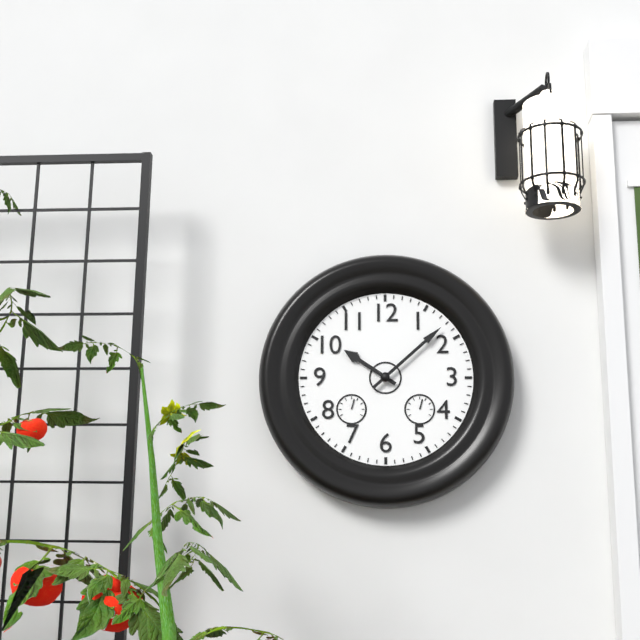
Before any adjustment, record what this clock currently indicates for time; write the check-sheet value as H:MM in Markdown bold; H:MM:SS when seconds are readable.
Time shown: **10:08**
